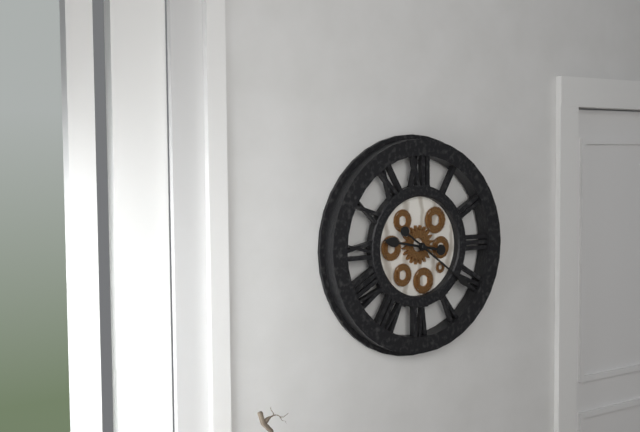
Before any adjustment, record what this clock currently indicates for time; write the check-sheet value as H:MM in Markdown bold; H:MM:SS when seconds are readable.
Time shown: **9:21**
